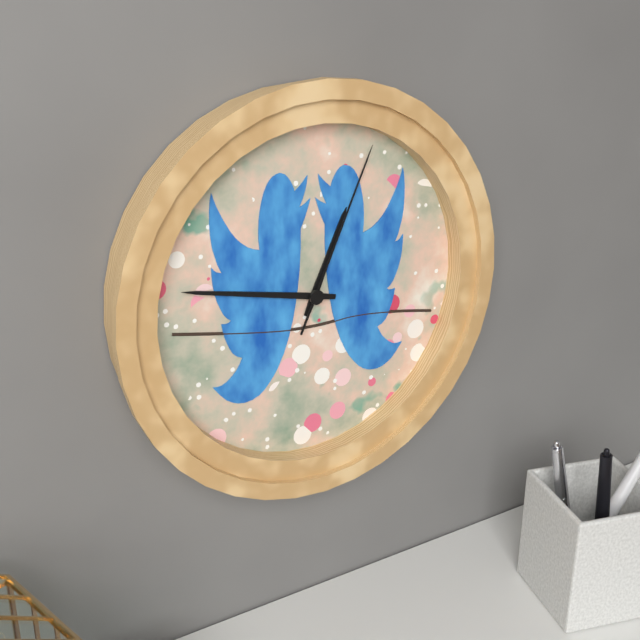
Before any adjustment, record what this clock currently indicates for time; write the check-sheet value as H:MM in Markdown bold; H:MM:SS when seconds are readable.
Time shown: **12:47:04**
